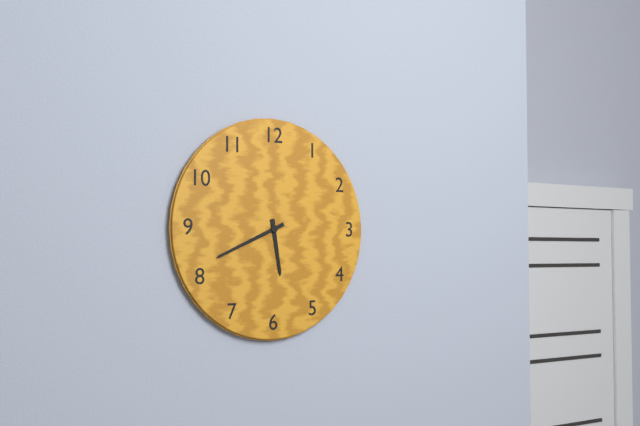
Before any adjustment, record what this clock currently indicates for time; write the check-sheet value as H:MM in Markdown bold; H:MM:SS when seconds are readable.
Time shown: **5:41**
